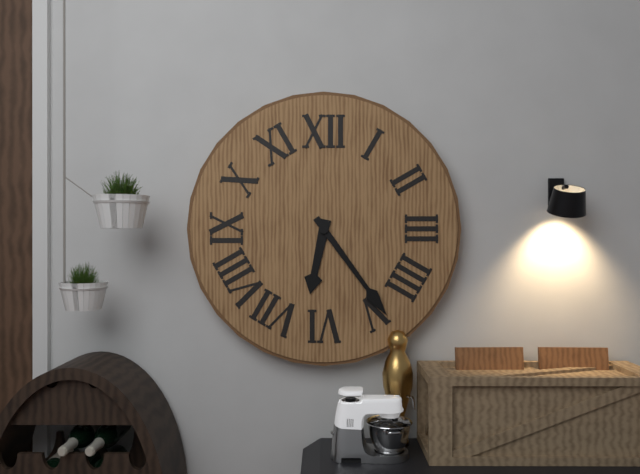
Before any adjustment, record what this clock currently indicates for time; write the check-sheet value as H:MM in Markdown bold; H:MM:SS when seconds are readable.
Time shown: **6:24**
